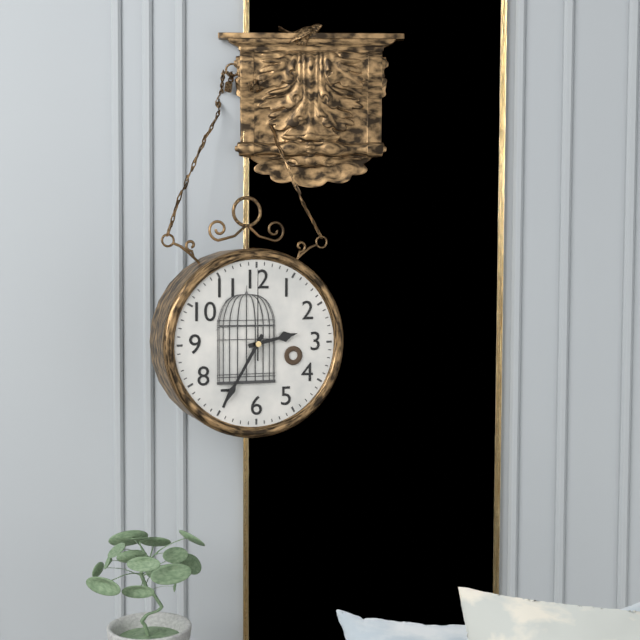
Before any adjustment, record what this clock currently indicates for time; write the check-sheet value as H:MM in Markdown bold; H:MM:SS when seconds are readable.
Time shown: **2:35:00**
